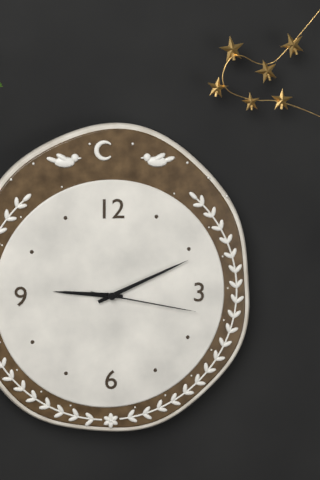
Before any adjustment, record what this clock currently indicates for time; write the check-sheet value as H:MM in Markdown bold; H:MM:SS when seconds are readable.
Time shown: **9:11:17**
